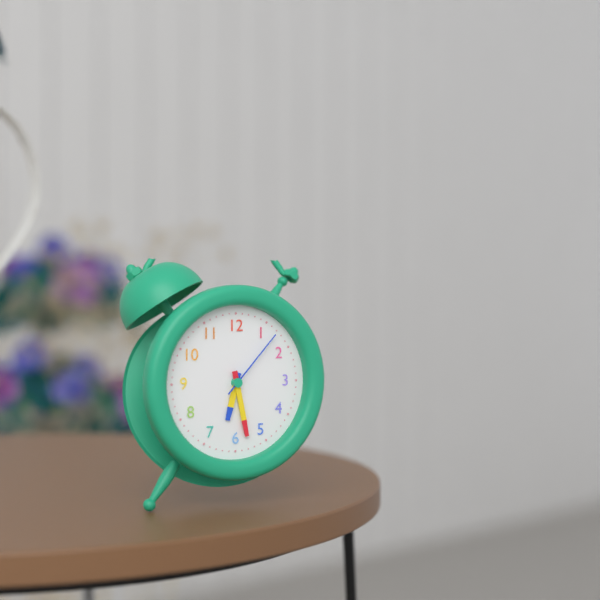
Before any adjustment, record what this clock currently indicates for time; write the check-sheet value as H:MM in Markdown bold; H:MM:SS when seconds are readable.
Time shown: **6:28:07**
